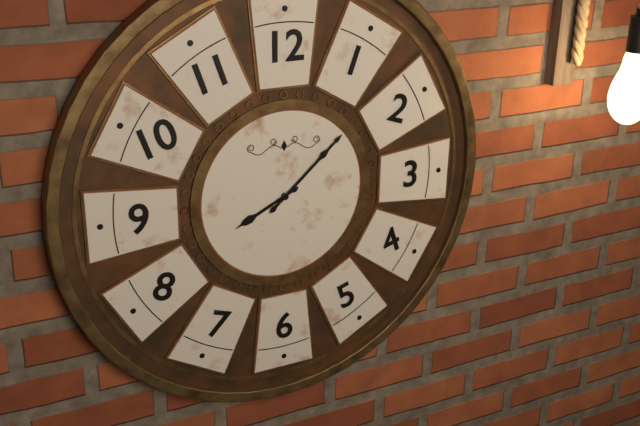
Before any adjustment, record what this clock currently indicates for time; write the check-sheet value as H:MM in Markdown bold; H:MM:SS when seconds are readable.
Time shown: **8:08**
